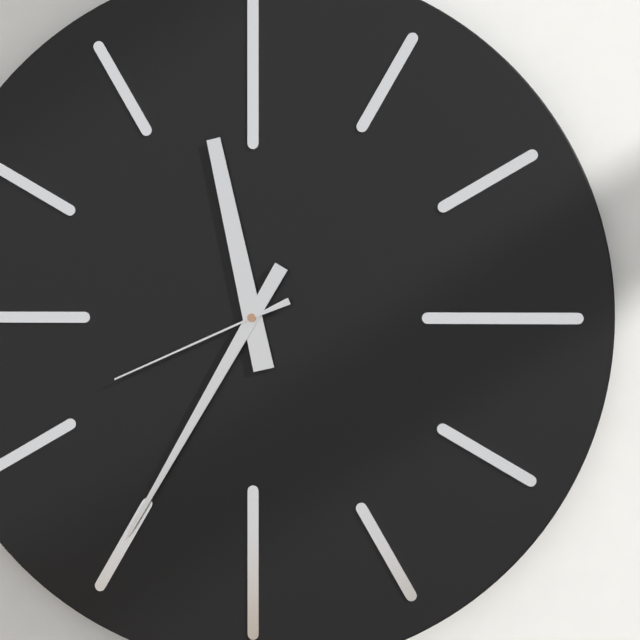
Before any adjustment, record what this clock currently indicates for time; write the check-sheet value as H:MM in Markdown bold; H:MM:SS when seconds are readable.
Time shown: **11:35:41**
